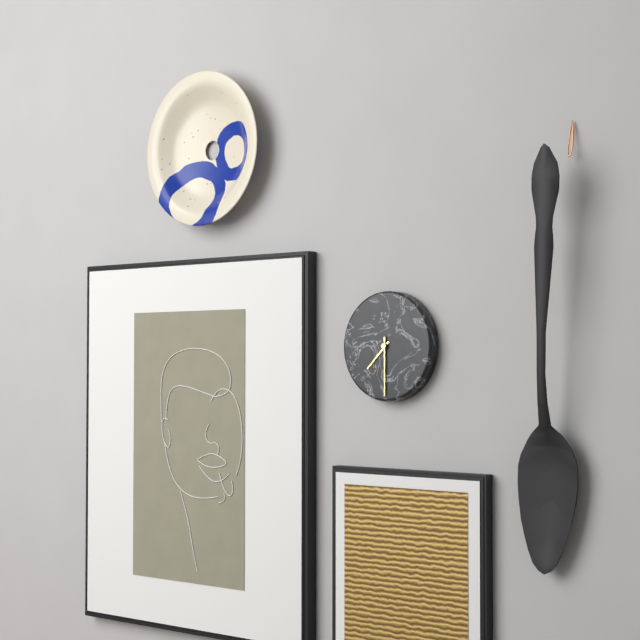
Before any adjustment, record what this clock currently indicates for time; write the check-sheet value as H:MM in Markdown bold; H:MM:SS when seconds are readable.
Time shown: **7:30**
